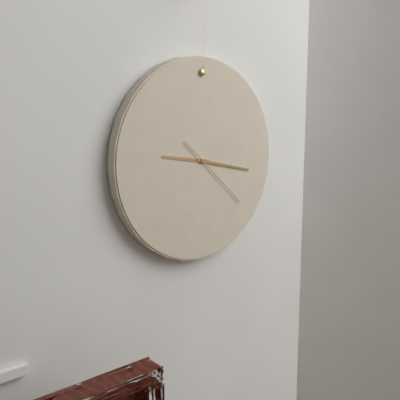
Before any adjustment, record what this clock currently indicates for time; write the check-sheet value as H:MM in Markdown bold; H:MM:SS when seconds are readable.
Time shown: **9:17:22**
